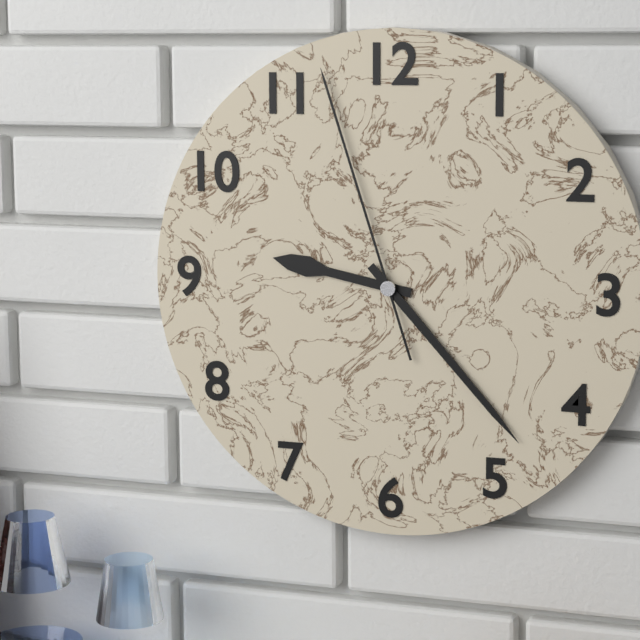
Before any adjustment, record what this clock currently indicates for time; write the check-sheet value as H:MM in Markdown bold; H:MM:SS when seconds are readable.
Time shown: **9:23:57**
